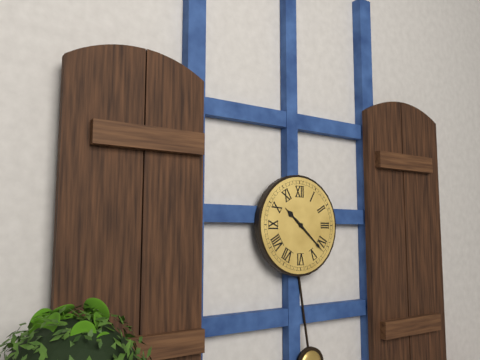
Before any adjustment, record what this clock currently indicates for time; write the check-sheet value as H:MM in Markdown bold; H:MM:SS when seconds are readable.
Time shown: **10:22**
